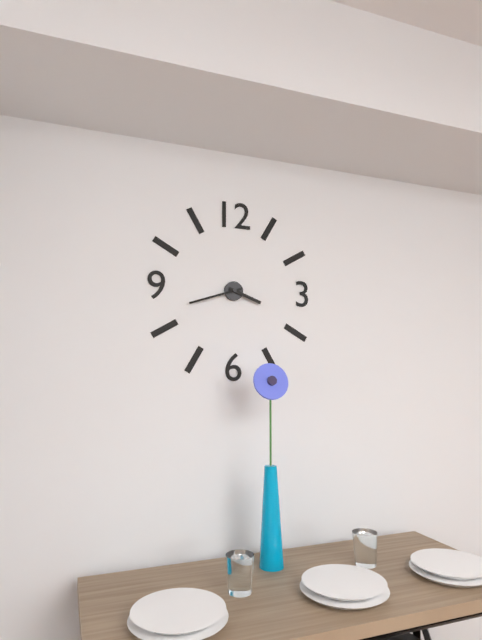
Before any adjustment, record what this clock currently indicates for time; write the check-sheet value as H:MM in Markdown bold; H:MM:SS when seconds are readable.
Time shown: **3:42**
